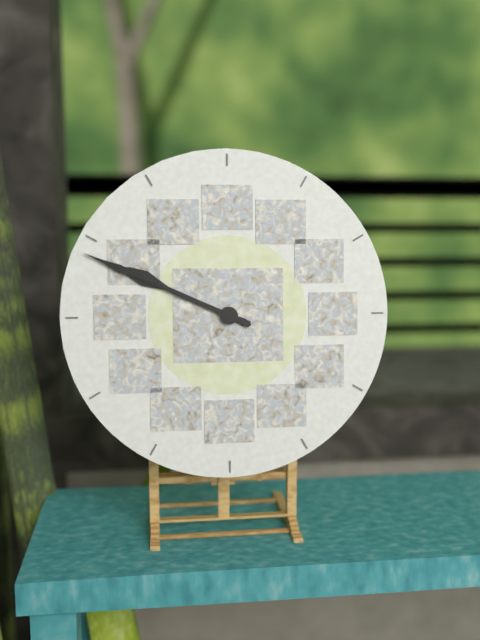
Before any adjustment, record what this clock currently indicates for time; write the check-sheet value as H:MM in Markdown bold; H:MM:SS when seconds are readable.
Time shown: **9:49**
